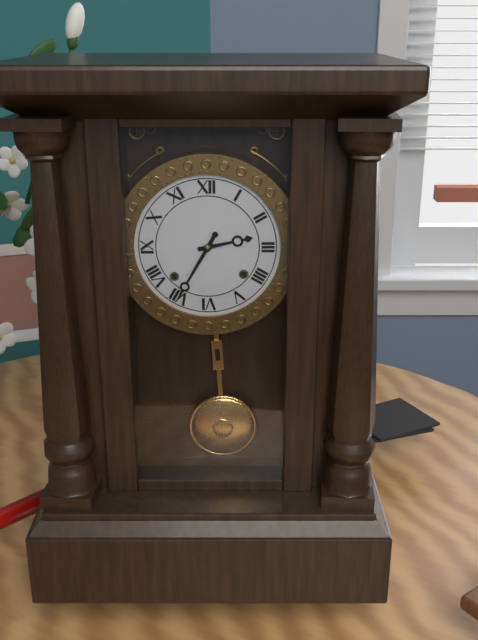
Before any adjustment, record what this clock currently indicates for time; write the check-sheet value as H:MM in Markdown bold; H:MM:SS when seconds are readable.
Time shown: **2:35**
